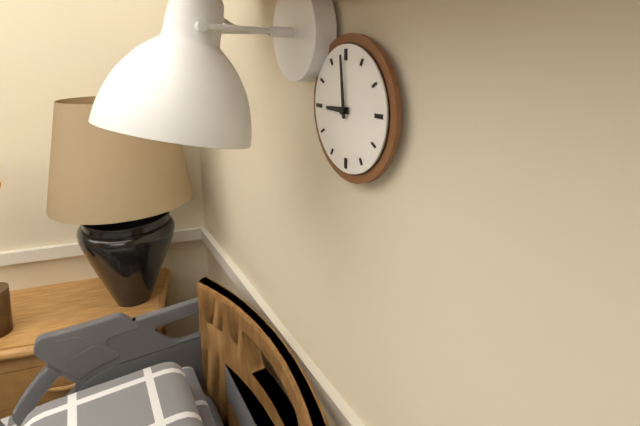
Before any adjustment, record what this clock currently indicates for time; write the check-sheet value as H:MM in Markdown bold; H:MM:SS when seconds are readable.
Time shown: **8:59**
